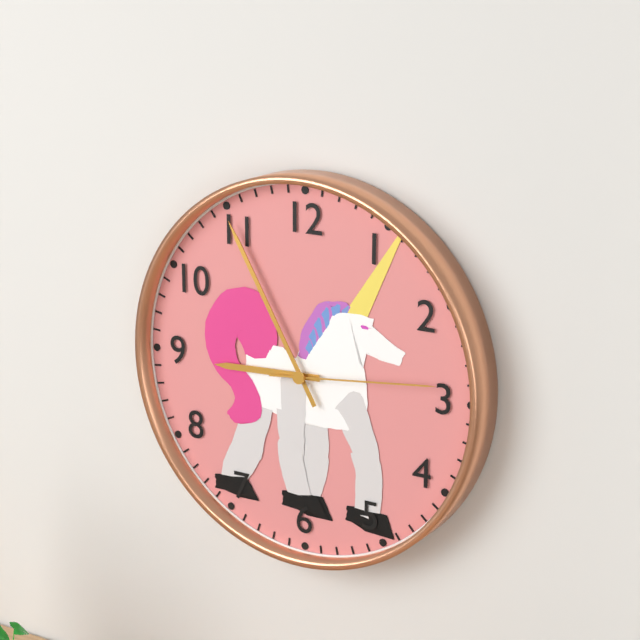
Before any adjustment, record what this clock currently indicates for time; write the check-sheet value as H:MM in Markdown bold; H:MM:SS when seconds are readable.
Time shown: **8:55:14**
